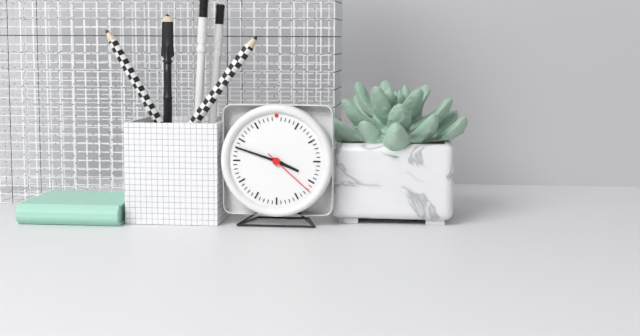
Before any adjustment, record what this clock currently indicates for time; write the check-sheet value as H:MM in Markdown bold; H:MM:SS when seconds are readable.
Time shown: **3:48:22**
